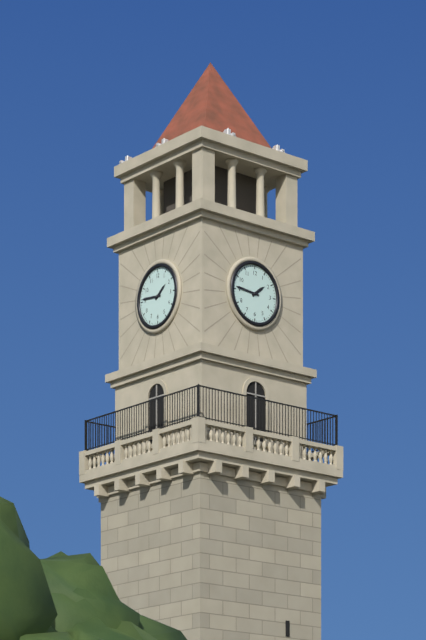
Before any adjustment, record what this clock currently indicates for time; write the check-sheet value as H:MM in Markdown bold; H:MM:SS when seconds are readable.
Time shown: **1:46**
